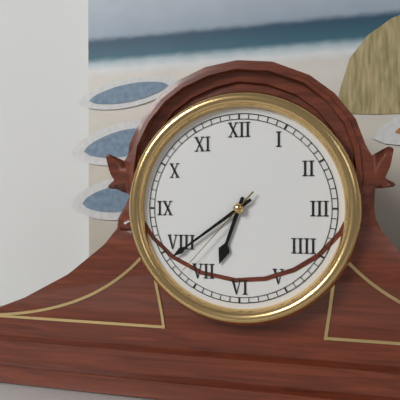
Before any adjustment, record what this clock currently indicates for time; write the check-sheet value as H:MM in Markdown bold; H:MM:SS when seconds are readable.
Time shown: **6:39:37**
